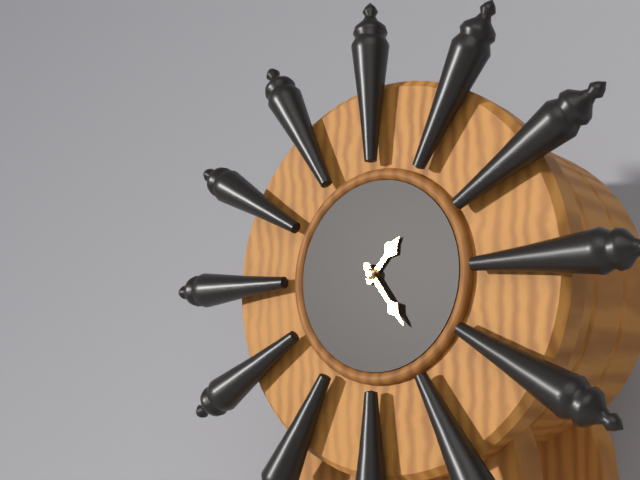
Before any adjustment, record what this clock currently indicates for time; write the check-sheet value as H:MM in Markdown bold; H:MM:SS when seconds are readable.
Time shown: **1:24**
